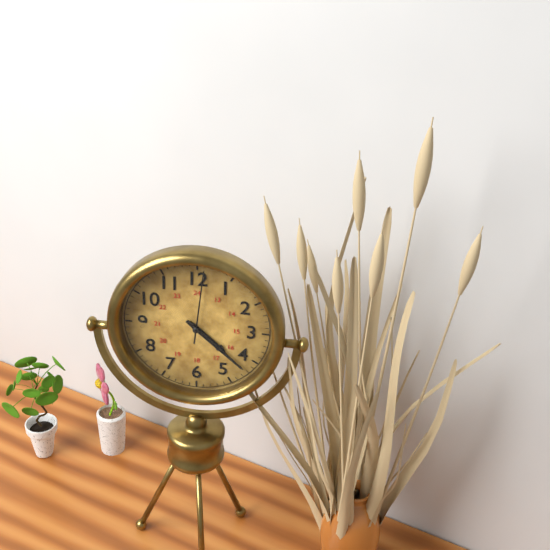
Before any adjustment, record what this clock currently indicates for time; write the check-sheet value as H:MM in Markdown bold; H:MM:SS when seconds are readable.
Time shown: **4:22:01**
